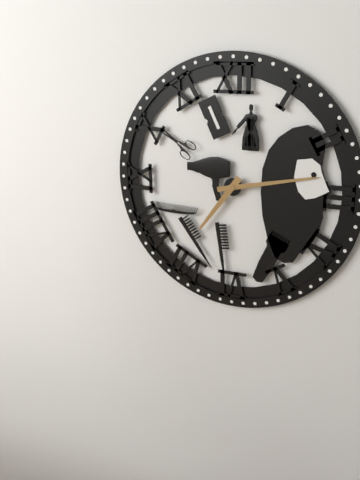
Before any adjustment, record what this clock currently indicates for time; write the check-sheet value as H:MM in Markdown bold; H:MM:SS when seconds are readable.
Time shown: **7:13**
